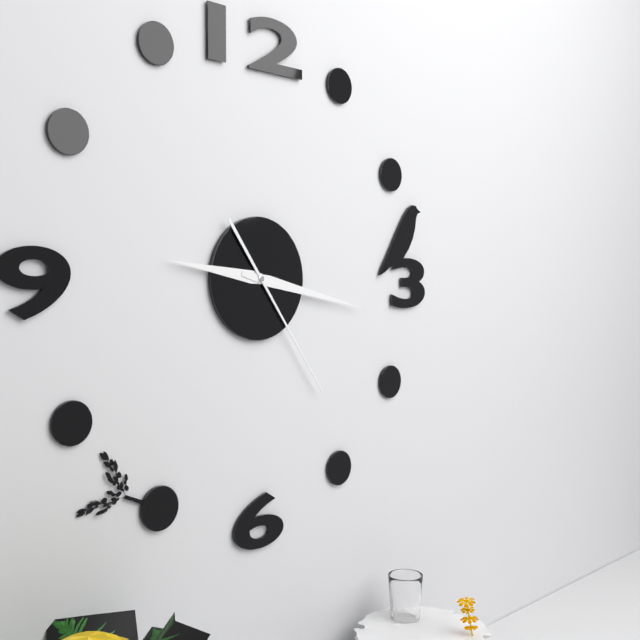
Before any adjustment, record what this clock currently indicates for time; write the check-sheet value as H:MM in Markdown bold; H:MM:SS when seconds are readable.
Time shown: **9:17:24**
